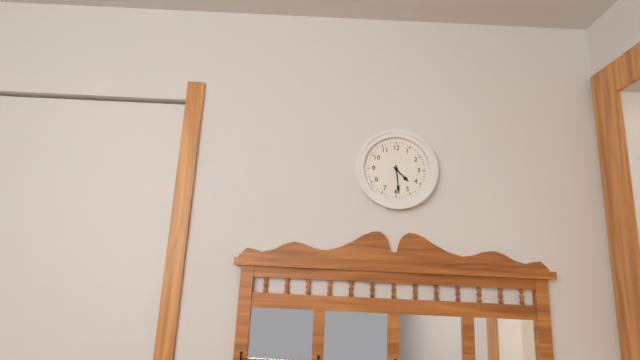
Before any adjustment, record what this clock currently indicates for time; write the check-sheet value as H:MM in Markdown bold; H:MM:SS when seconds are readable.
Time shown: **4:29**
